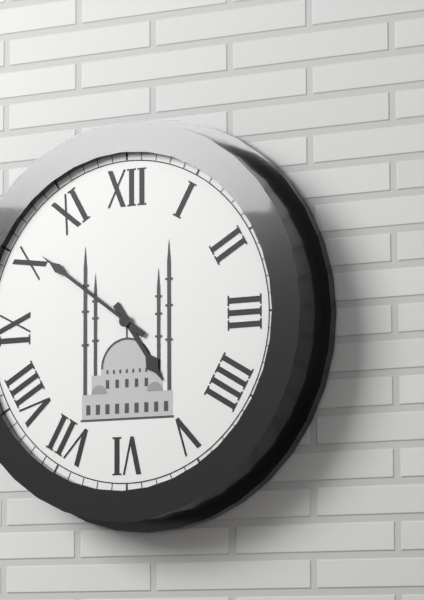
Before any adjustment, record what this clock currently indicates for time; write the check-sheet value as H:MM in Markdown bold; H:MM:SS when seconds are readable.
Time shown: **4:51**
